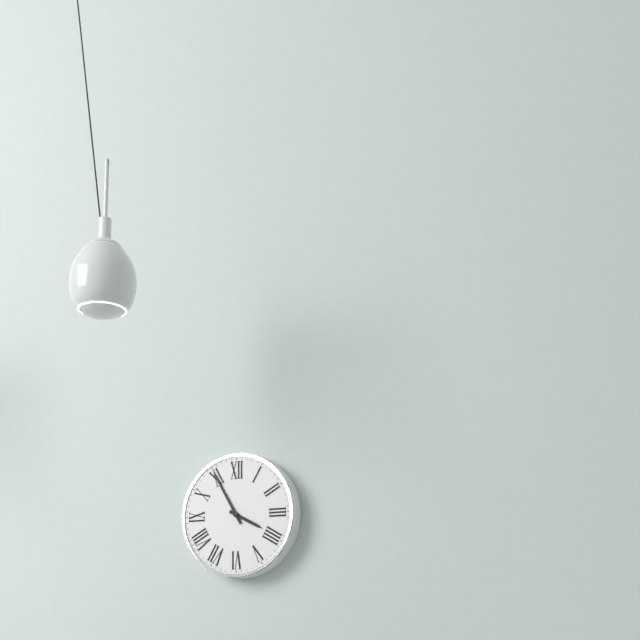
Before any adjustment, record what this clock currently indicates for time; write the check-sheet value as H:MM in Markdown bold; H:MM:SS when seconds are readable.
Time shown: **3:55**
